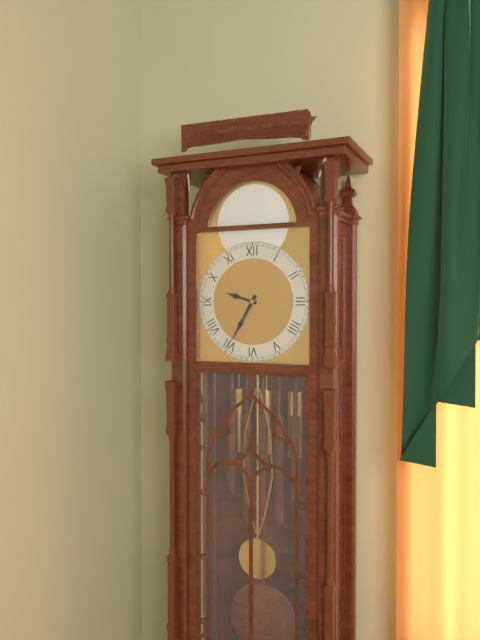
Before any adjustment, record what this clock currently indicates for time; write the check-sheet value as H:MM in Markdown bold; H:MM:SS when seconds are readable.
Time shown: **9:35**
